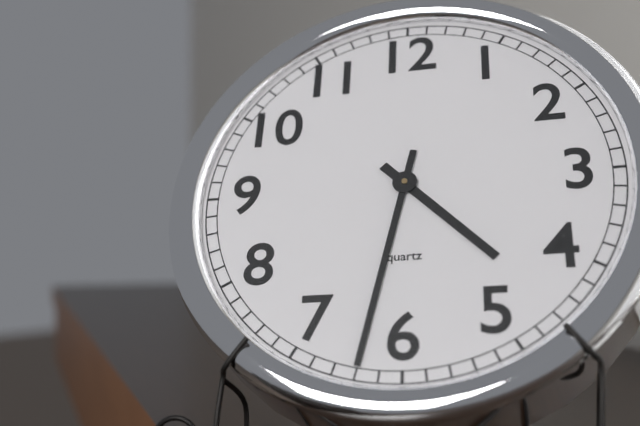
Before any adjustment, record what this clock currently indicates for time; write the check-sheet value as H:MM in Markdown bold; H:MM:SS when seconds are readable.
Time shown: **4:32**
